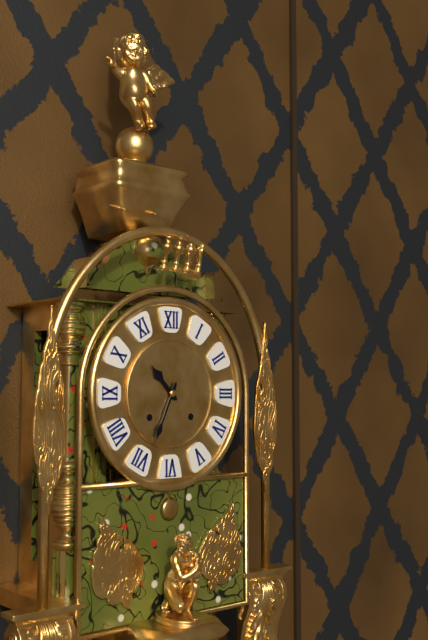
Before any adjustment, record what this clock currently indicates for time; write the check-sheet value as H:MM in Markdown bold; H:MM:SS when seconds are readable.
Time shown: **10:34**
